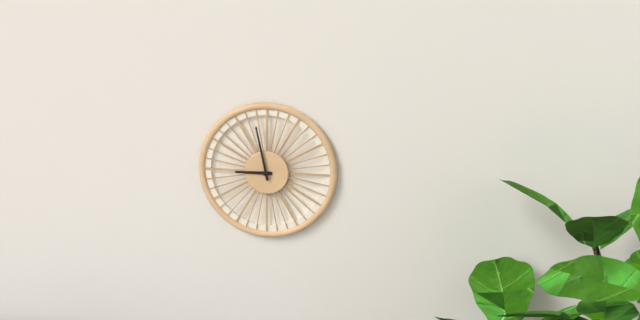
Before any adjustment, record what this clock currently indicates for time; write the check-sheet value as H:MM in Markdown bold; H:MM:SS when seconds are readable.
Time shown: **8:58**
